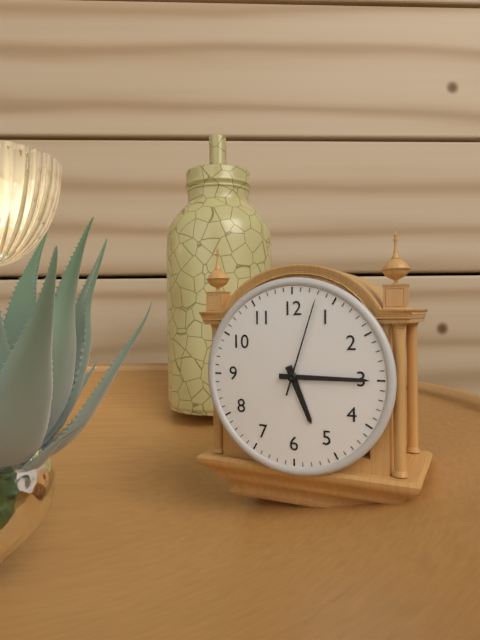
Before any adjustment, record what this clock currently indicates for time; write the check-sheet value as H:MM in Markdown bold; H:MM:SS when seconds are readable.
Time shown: **5:15:03**
